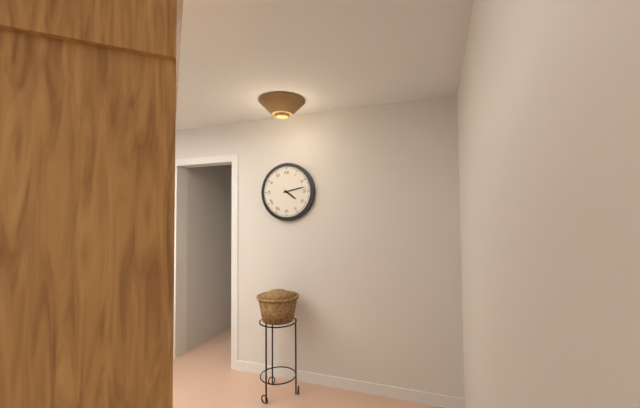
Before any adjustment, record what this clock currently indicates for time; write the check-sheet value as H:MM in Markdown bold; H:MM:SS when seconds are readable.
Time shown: **4:13**
